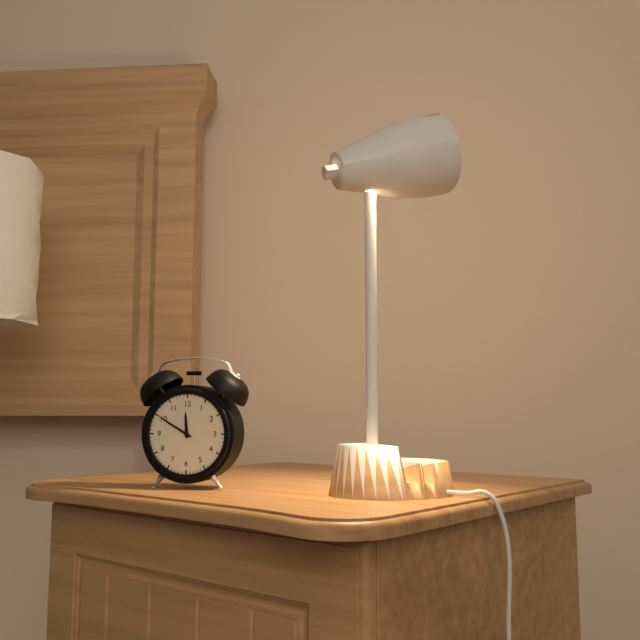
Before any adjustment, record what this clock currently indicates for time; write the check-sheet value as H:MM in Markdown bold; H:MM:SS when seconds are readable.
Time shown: **11:50**
